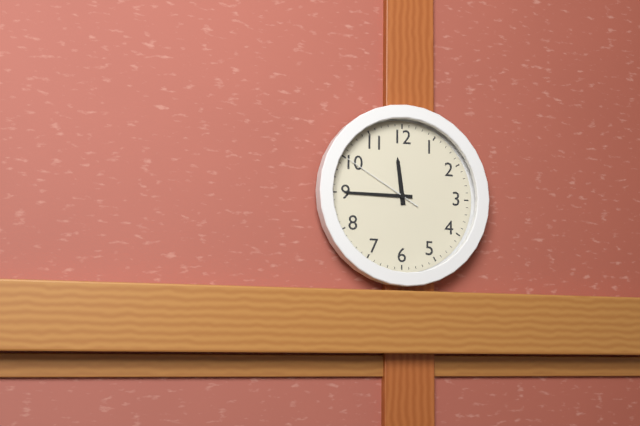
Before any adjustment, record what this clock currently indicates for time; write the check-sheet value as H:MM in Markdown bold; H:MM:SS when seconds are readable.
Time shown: **11:45:50**
